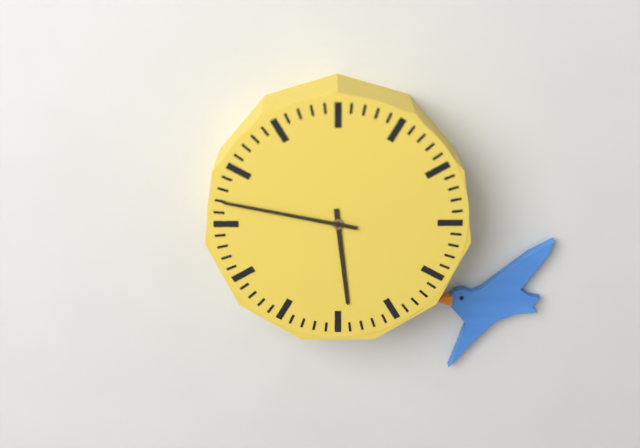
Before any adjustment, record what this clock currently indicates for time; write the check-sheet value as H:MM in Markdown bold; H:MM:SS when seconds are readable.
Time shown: **5:47**
